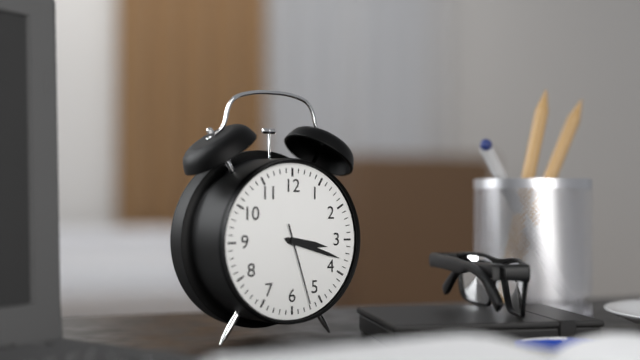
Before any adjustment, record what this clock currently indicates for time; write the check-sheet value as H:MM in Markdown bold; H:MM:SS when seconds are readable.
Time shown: **3:18:27**
